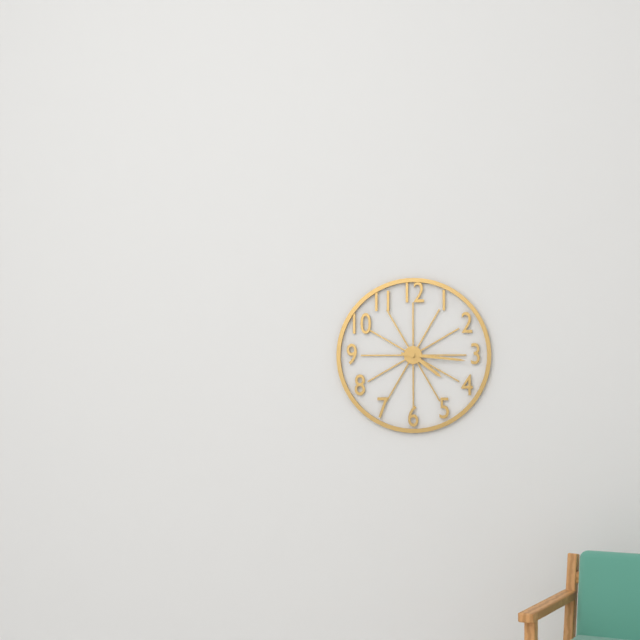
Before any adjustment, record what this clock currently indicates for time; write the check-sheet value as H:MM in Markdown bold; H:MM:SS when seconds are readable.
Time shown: **4:16**
